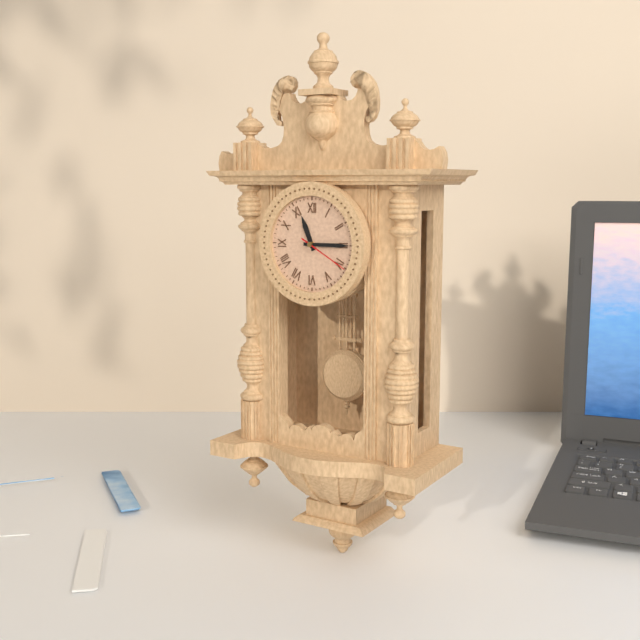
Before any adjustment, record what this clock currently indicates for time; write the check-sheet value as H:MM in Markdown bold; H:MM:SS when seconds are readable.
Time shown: **11:15:20**
